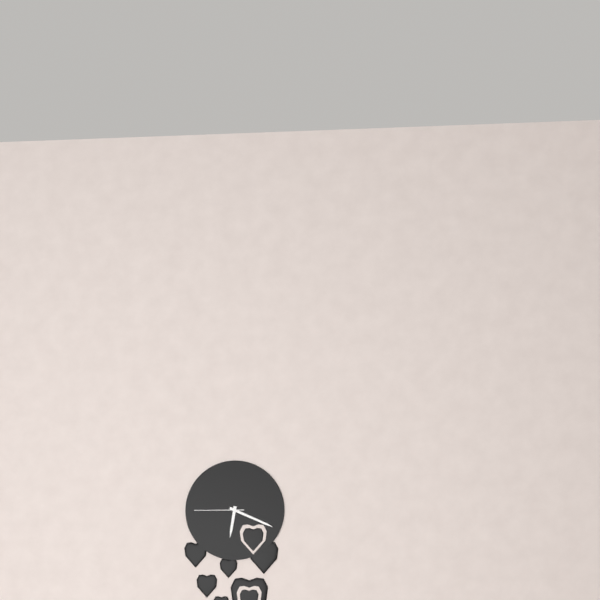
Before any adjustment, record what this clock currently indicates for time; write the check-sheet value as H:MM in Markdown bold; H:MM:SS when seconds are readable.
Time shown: **6:19:45**
